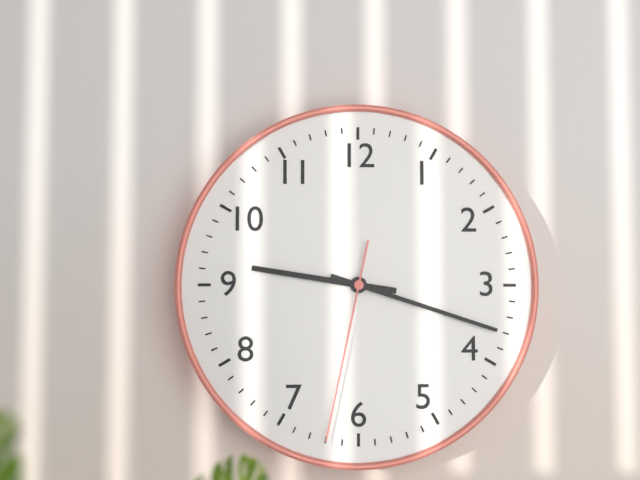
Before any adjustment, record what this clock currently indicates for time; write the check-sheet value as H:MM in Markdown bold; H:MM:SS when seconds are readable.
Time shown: **9:18:32**
